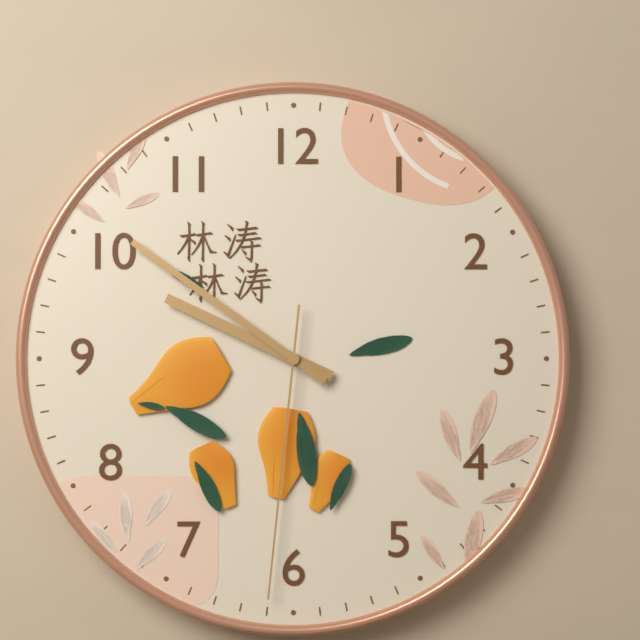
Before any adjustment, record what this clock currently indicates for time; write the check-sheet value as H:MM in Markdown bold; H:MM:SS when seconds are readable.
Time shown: **9:51:31**
